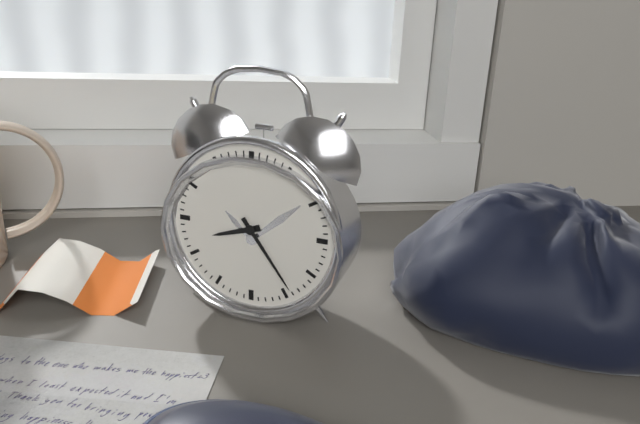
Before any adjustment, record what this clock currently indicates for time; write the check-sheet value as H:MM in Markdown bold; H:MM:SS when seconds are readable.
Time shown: **8:24**
